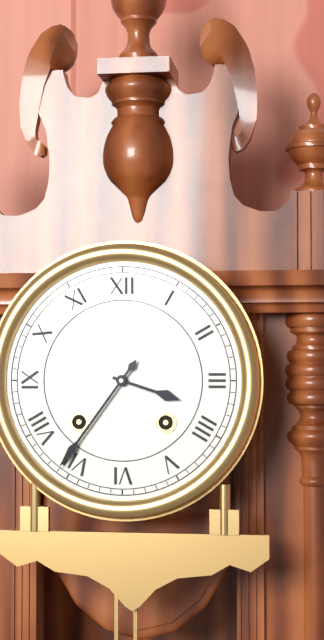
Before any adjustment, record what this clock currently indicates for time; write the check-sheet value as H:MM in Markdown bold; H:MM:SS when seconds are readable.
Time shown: **3:36**
